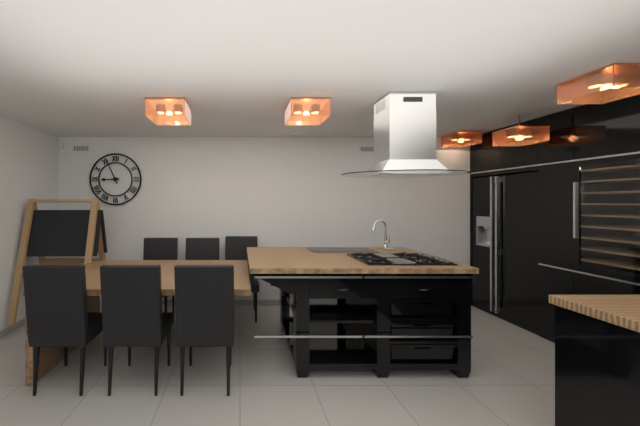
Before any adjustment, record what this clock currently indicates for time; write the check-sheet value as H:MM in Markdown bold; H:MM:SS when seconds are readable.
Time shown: **8:56**
